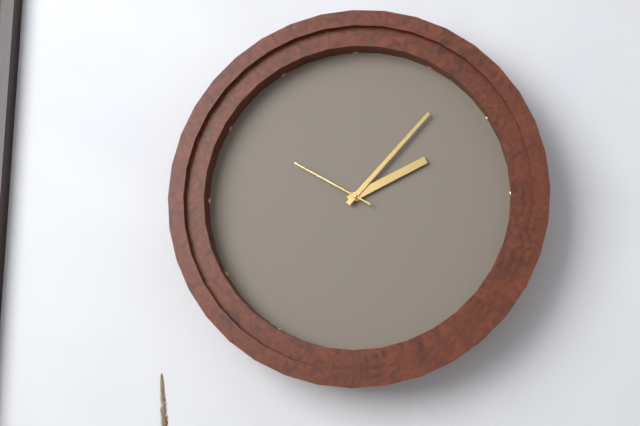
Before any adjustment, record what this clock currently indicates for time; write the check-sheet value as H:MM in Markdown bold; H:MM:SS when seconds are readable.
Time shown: **2:07:50**
